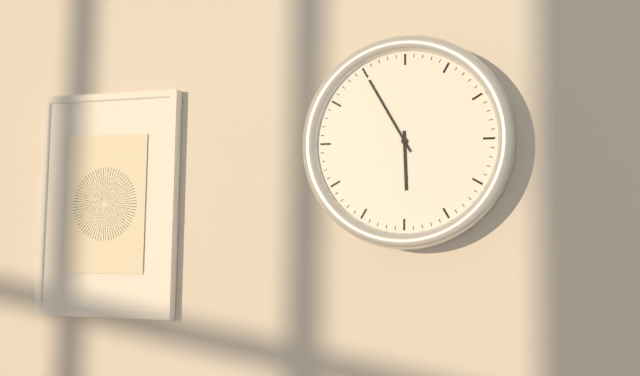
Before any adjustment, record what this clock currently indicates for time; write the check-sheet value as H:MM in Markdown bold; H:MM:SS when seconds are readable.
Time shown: **5:55**
